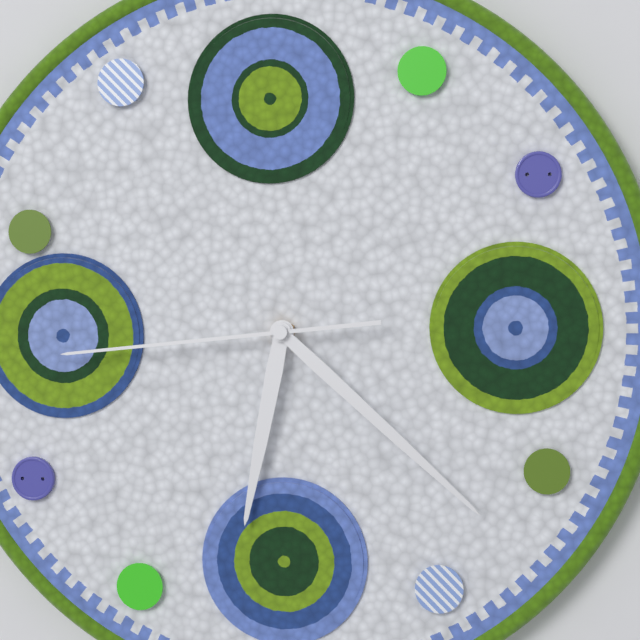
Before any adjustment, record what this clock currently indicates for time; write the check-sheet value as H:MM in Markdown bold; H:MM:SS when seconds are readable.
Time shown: **6:22:44**
